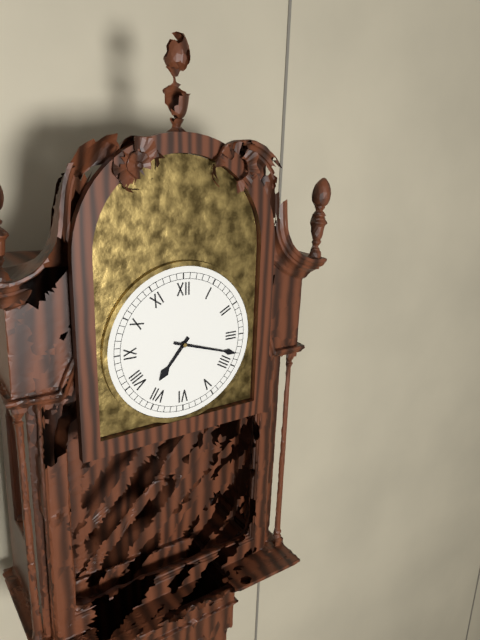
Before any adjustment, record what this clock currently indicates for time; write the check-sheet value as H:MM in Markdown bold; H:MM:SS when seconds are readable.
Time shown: **7:18**
